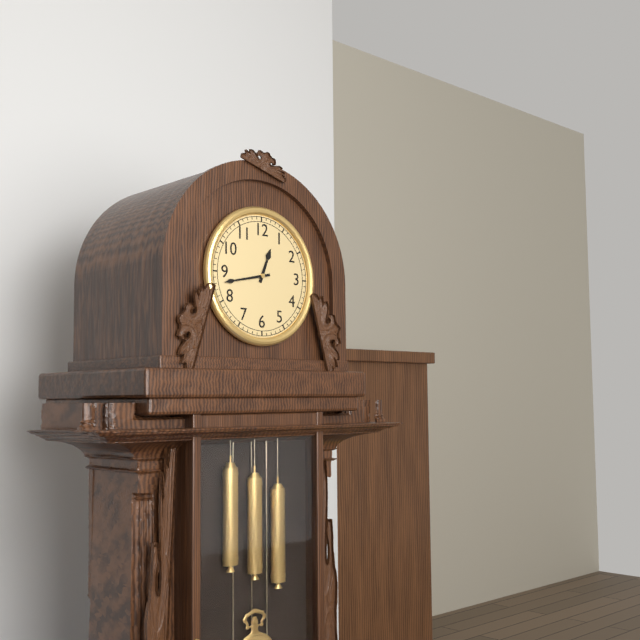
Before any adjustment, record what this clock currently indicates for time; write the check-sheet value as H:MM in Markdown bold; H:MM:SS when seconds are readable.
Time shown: **12:43**
